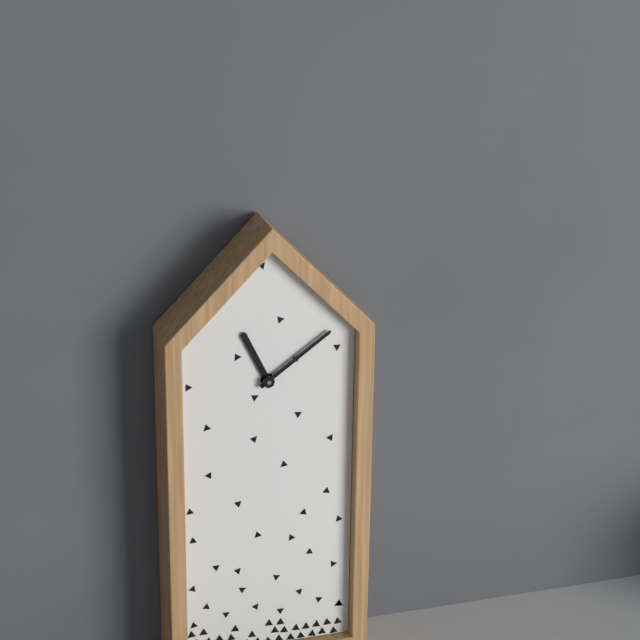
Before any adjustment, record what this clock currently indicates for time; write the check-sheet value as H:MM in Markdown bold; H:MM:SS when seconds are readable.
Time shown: **11:09**
